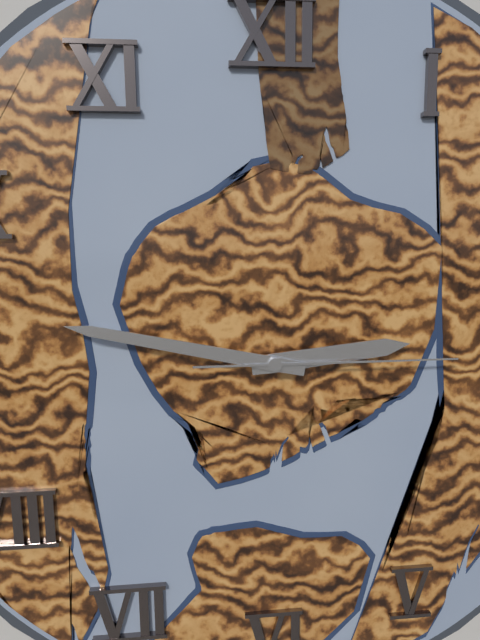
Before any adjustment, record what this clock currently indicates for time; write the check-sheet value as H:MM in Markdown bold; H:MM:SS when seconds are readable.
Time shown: **2:47:15**
